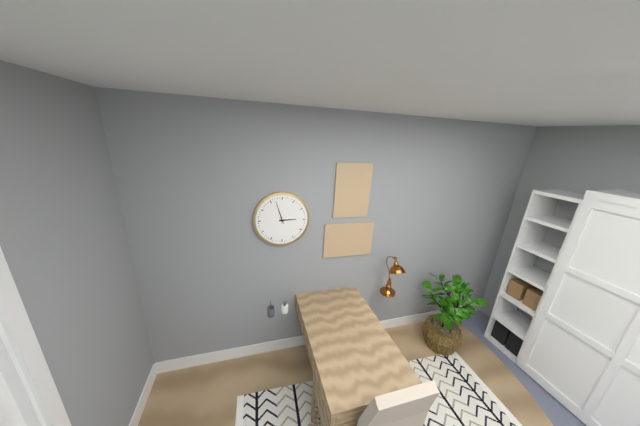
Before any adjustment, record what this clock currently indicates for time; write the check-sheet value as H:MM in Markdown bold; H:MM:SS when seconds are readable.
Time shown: **2:57**
